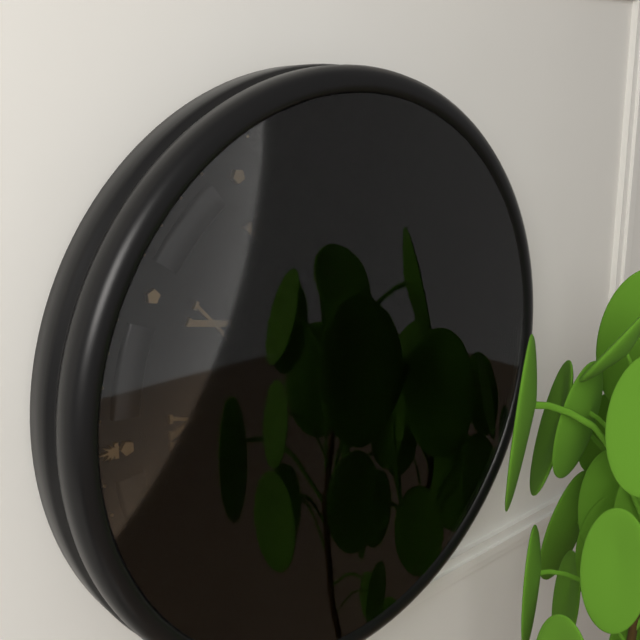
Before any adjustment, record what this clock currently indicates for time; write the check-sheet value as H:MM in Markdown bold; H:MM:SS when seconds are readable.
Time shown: **11:54**
